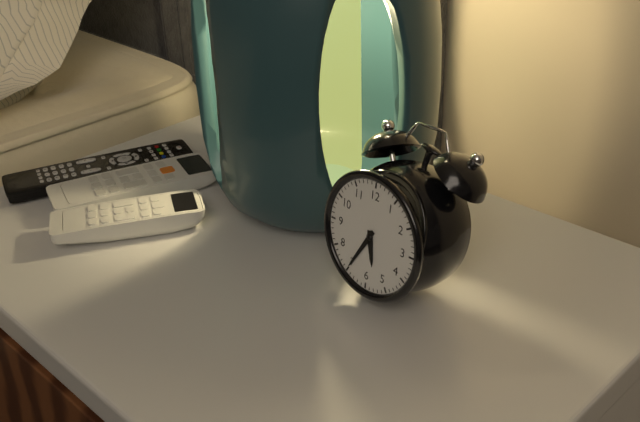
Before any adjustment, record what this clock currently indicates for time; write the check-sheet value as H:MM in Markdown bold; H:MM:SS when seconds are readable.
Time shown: **5:35**
